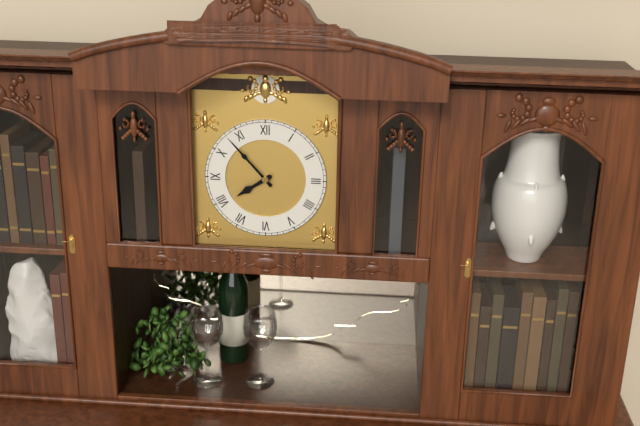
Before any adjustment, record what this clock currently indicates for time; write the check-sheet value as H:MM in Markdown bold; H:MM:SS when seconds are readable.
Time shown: **7:53**
